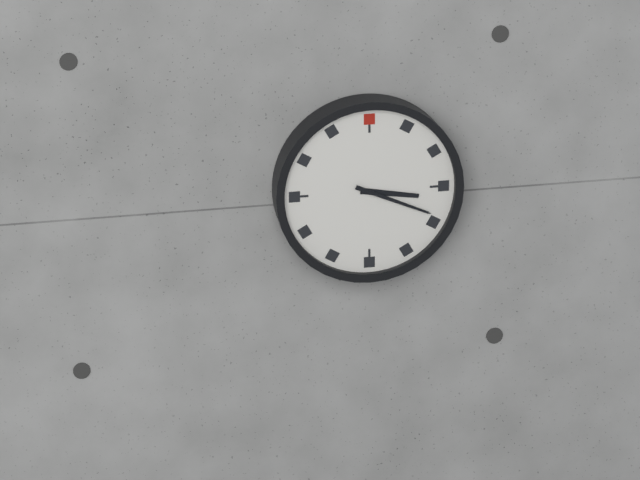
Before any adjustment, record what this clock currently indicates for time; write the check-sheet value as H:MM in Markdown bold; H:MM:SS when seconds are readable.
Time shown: **3:19**
